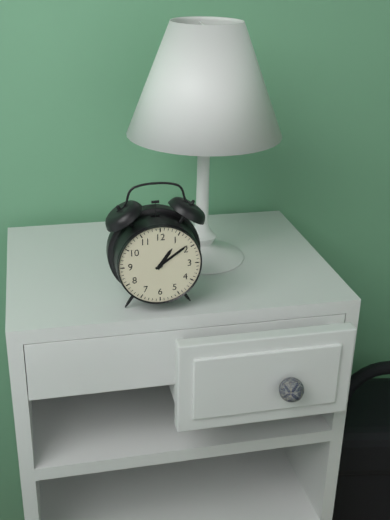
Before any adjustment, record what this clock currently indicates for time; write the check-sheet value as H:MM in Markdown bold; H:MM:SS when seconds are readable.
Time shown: **1:09**
